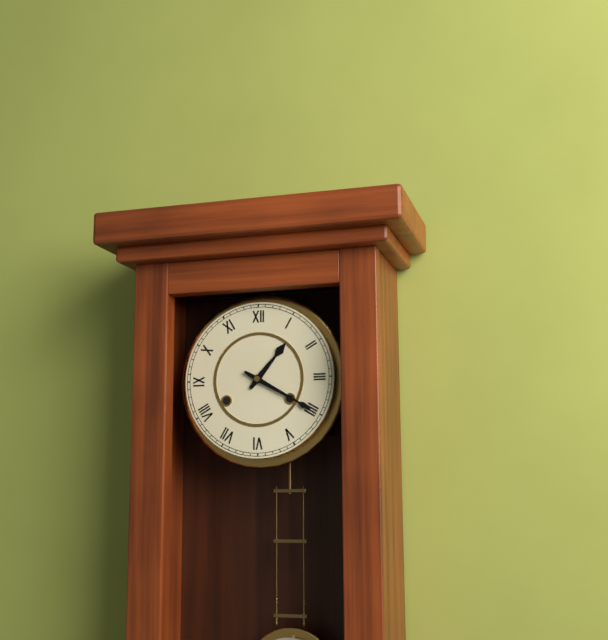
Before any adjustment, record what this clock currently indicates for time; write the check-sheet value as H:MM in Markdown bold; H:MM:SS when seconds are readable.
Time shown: **1:20**
